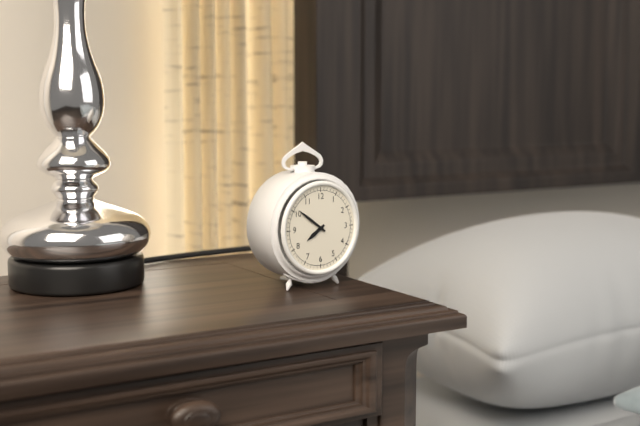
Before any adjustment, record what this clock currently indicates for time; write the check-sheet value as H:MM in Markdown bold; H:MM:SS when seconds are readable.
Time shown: **7:51**
